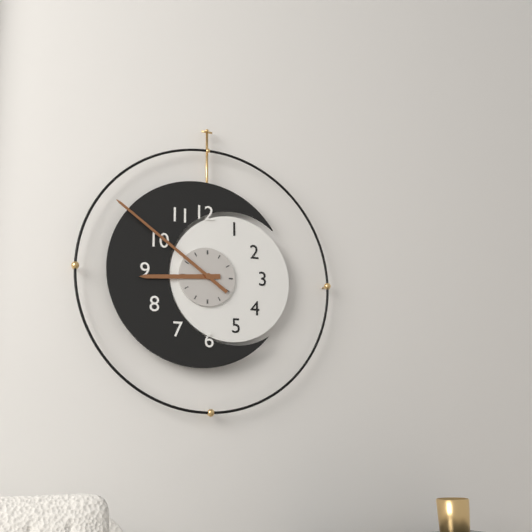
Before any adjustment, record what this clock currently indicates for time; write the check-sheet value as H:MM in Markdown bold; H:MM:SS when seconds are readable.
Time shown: **8:51**
